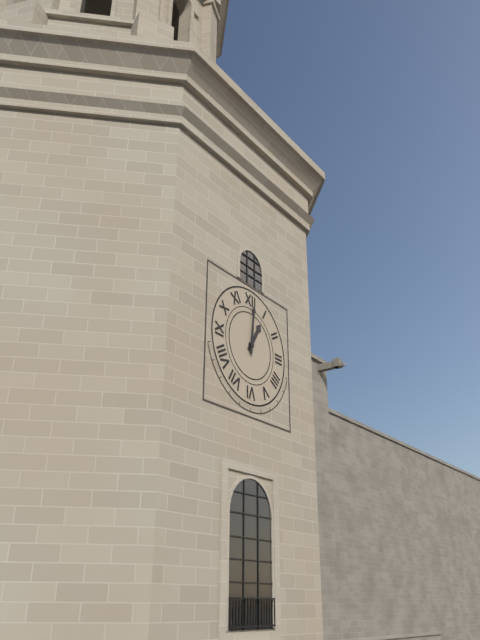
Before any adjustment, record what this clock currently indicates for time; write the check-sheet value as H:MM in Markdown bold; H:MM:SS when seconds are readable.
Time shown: **1:01**
